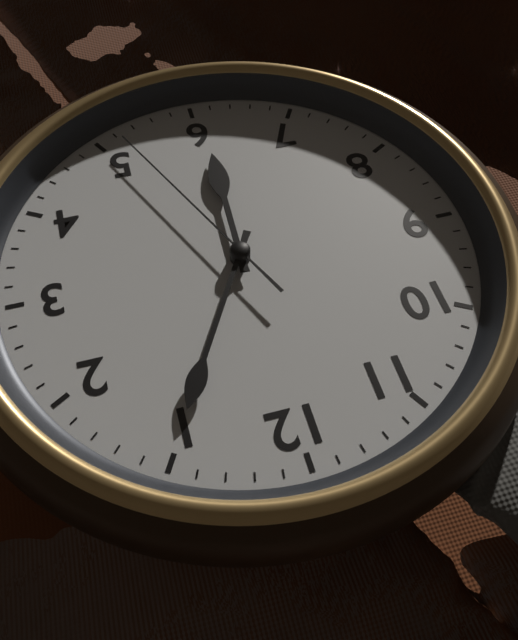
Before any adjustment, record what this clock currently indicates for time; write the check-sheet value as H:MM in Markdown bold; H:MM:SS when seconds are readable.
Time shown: **6:05:26**
